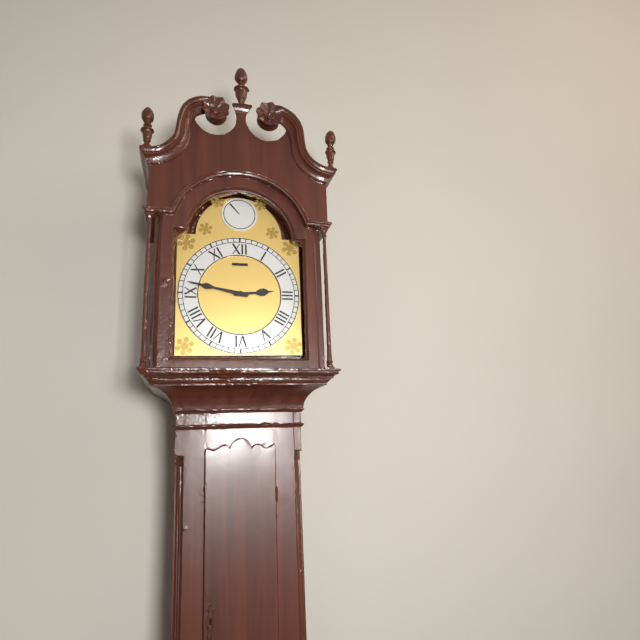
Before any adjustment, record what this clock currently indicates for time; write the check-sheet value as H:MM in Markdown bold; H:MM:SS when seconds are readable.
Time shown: **2:47**
